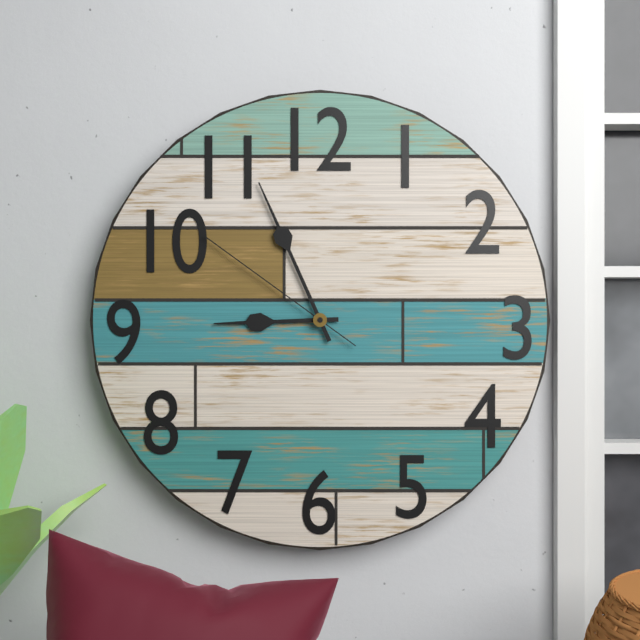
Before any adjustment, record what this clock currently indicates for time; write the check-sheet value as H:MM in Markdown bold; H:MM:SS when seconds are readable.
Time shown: **8:56:51**
